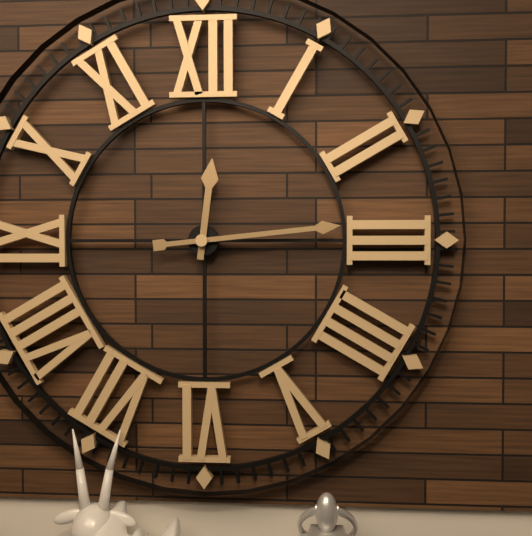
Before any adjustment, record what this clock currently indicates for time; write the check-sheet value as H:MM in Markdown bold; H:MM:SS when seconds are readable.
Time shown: **12:14**
